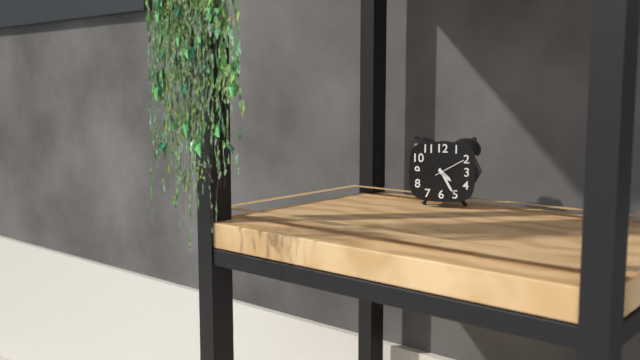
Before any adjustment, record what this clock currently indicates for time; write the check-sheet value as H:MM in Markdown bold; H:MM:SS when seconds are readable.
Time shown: **4:25**
